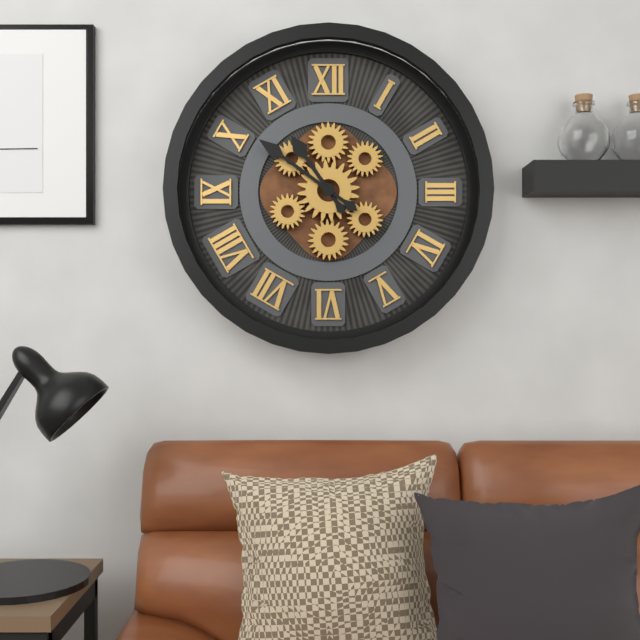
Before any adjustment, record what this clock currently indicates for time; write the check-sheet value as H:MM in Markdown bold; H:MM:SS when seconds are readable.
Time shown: **10:51**
